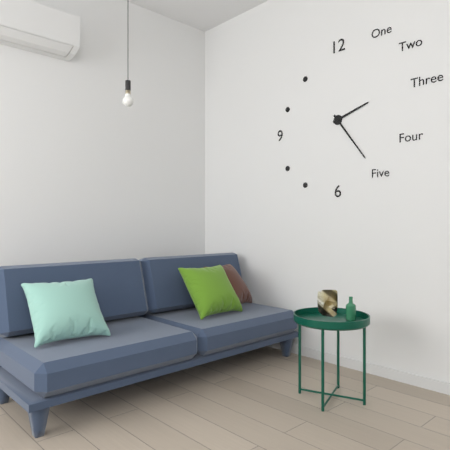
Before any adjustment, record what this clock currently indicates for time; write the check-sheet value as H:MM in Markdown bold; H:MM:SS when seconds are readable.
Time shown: **2:24**
